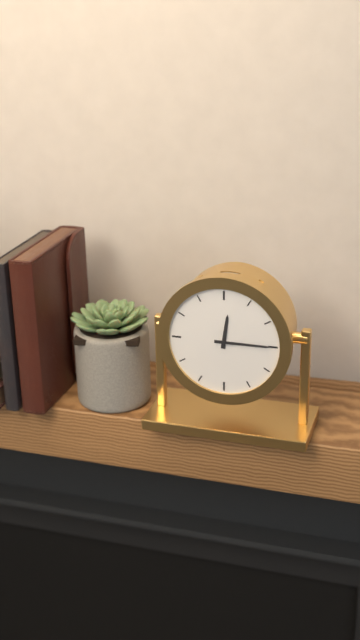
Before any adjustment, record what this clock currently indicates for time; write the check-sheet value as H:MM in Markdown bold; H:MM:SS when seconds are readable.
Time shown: **12:15**
